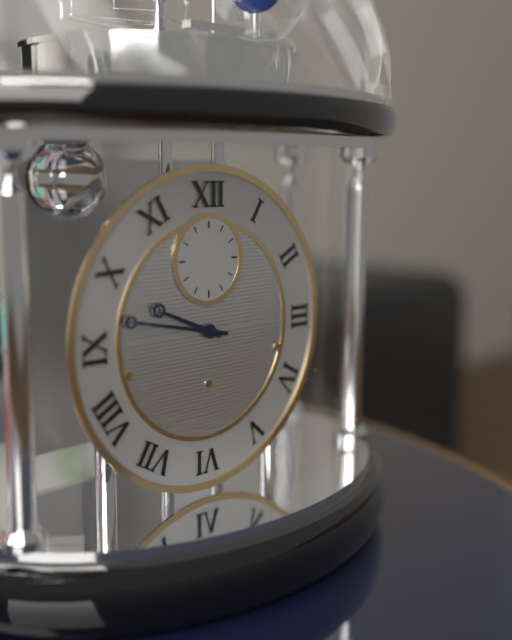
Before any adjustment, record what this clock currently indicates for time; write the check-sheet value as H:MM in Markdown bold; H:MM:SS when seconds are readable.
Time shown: **9:47**
